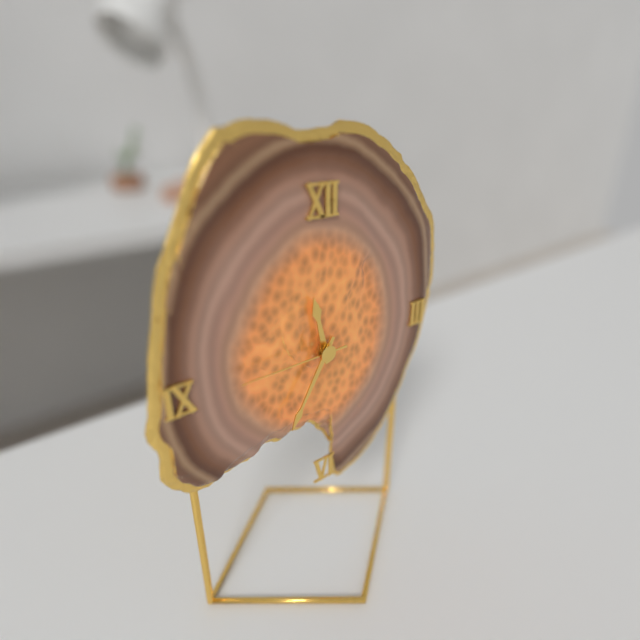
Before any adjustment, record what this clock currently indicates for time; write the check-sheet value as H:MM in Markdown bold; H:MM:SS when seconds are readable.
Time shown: **11:35:45**
